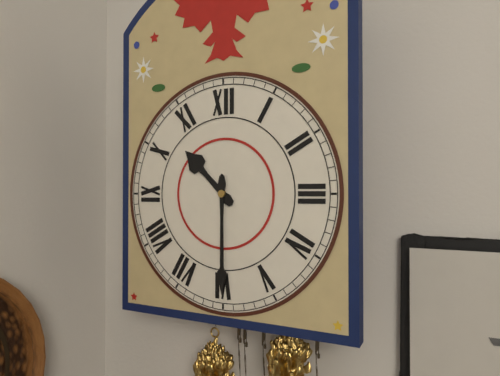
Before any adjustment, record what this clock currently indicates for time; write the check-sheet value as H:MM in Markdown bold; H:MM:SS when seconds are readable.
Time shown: **10:30**
